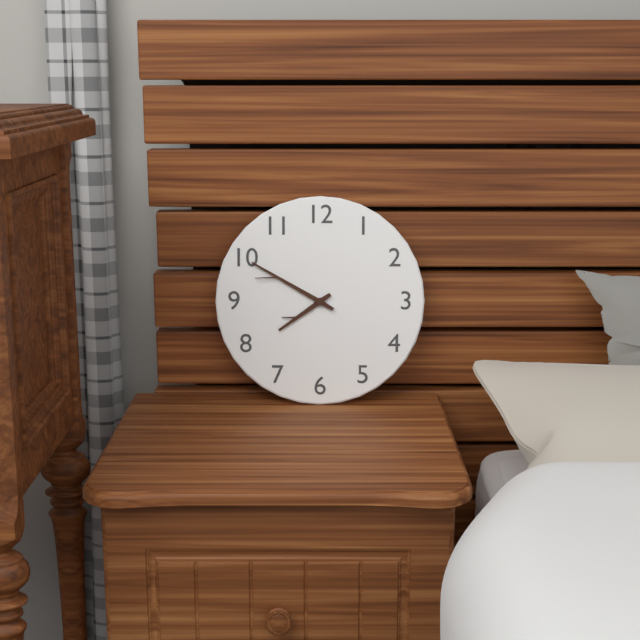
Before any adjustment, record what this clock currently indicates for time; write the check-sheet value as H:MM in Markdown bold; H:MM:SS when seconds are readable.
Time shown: **7:50**
